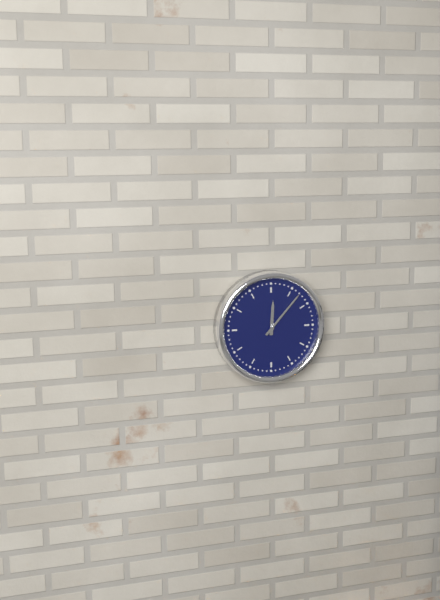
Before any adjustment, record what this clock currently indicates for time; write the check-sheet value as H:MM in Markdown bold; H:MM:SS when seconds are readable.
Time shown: **12:07**
